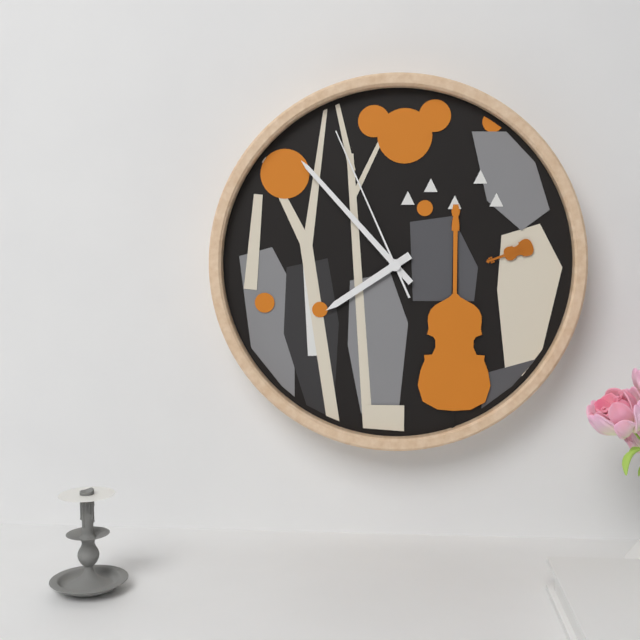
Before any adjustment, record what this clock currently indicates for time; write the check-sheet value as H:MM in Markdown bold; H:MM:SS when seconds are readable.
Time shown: **7:53:56**
